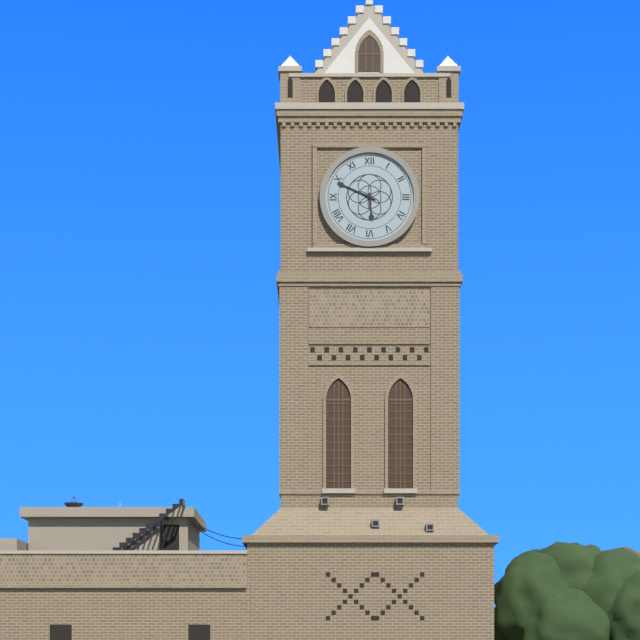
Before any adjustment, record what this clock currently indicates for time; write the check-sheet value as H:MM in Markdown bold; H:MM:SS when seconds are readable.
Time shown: **5:49**
